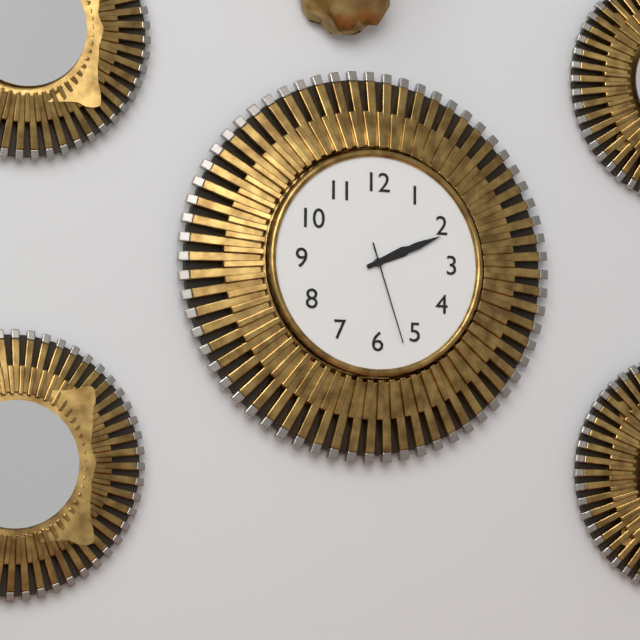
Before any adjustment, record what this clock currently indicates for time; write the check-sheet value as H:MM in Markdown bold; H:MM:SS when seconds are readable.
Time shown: **2:11:27**
